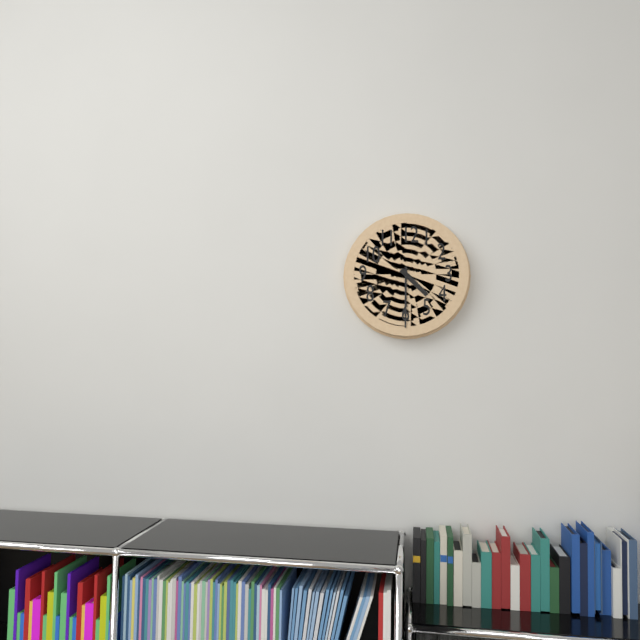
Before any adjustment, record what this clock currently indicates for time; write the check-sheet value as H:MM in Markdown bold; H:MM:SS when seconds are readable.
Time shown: **4:30**
